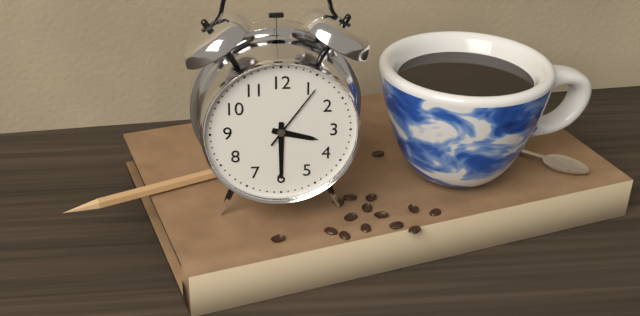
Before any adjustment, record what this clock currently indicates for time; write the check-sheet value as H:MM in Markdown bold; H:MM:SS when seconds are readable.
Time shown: **3:30:06**
